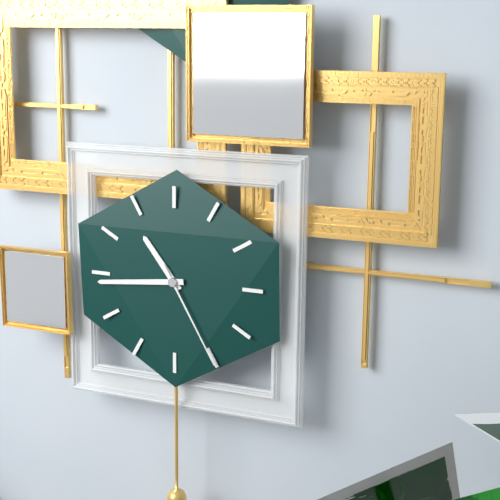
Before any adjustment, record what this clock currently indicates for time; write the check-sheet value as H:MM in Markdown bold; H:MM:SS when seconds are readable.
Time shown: **10:44:25**
